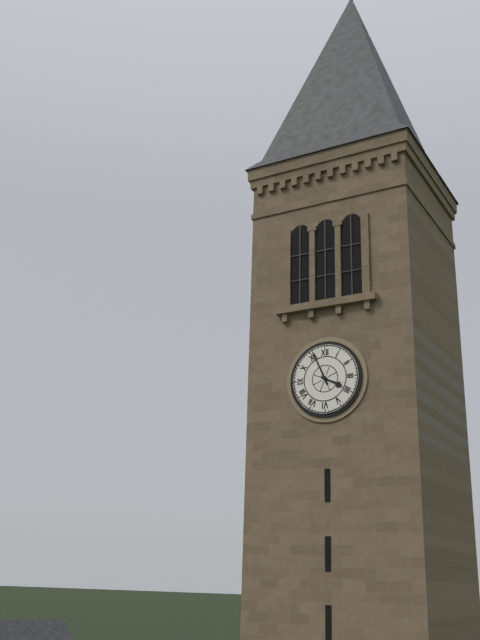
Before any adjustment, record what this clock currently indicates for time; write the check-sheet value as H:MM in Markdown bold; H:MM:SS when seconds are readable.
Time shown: **3:56**
